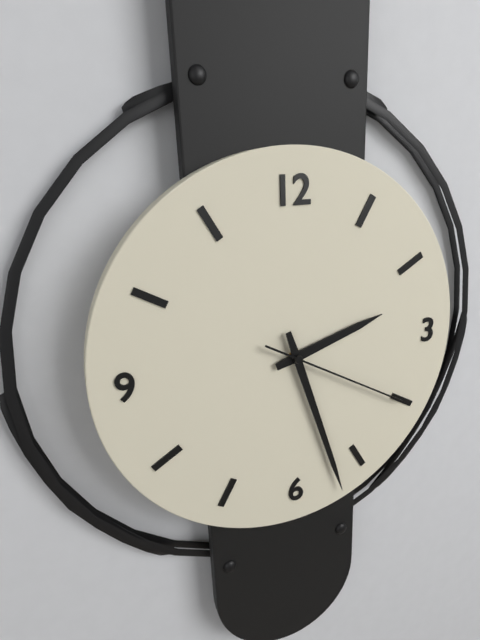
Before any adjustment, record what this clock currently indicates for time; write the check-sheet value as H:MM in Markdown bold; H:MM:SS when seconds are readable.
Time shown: **2:27:20**
